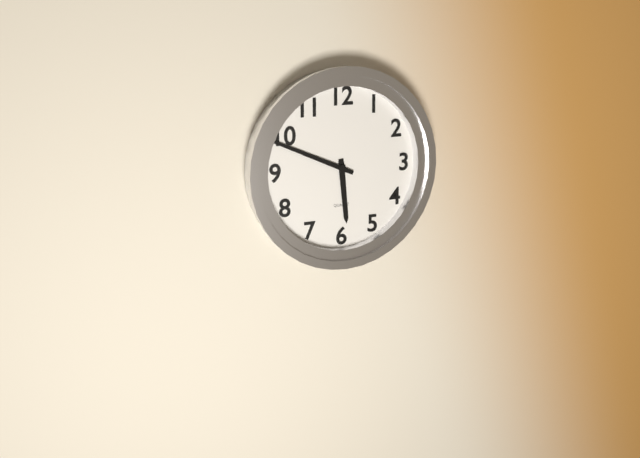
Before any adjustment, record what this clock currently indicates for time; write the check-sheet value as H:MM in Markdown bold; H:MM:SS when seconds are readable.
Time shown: **5:49**
